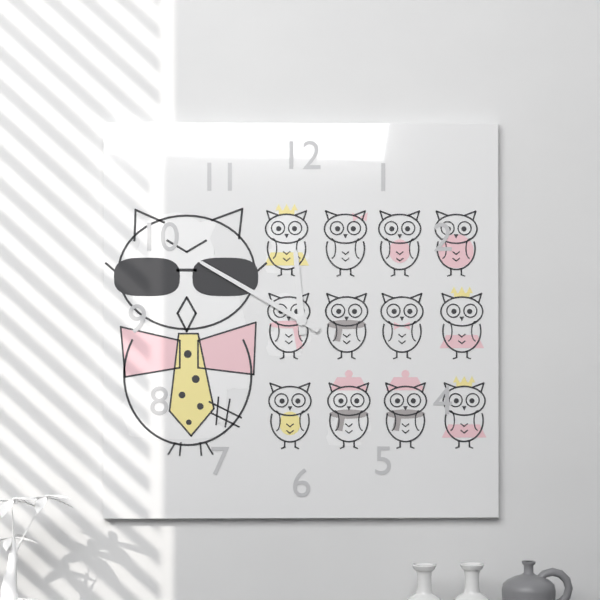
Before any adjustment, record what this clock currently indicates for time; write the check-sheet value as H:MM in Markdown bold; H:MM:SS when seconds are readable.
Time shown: **11:50**
